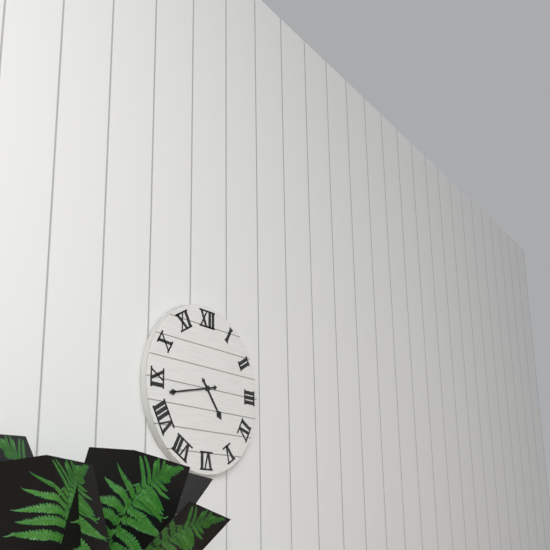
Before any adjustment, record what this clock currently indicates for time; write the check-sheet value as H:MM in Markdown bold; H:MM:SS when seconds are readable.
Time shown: **4:43**
